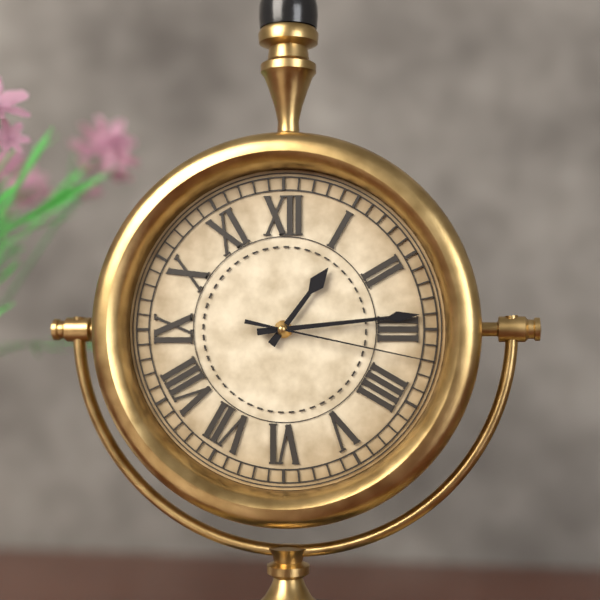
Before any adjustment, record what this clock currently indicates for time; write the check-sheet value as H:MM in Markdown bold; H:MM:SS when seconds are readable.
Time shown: **1:14:17**
